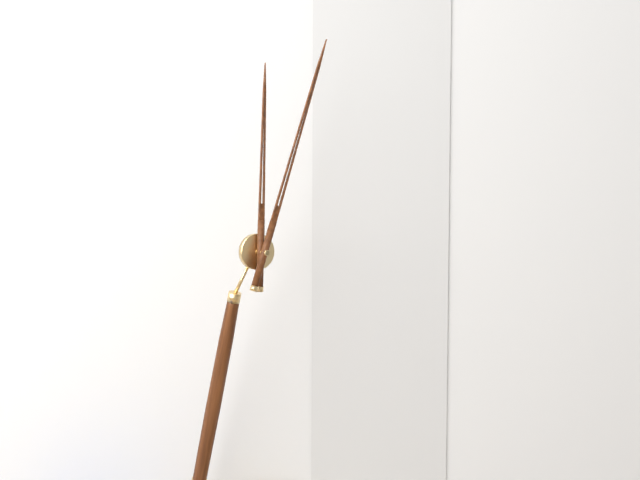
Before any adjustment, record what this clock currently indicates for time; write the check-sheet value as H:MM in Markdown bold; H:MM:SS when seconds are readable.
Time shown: **12:03**
